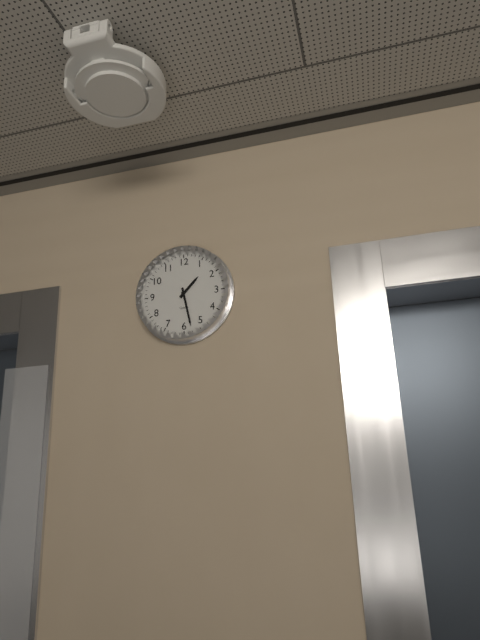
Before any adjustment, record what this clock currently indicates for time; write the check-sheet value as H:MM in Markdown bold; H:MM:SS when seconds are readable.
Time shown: **1:28**
